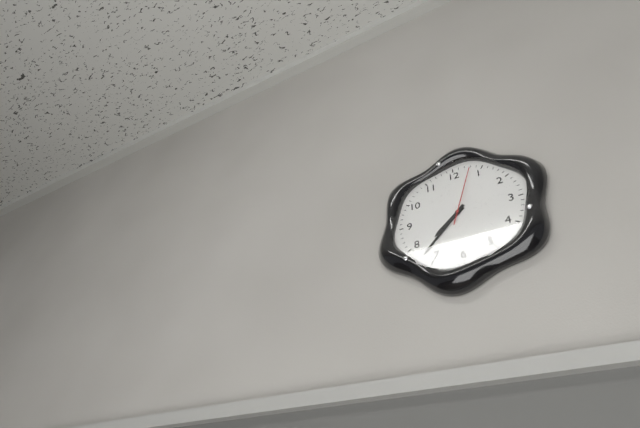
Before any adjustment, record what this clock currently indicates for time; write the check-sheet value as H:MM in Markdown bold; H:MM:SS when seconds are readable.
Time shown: **7:37:03**
